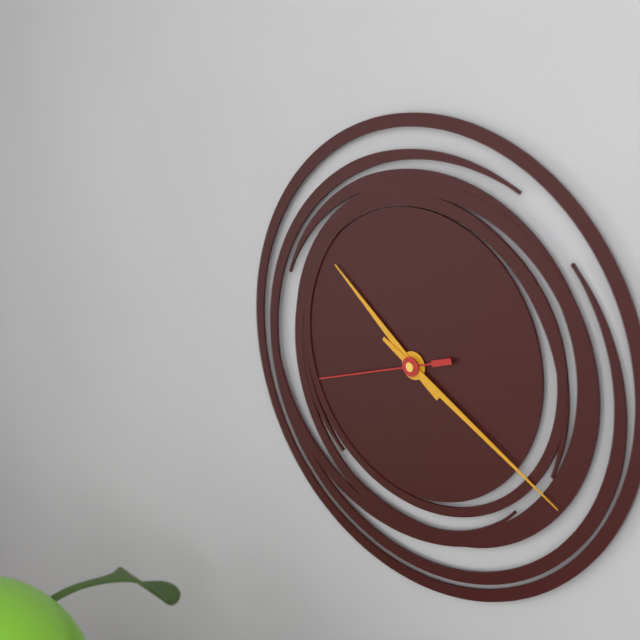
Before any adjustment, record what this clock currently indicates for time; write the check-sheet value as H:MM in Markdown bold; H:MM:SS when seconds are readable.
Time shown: **10:20:42**
